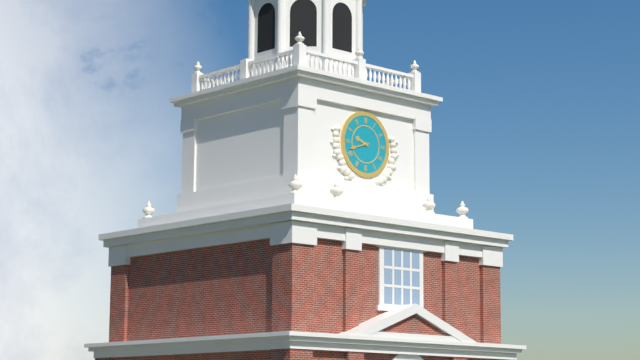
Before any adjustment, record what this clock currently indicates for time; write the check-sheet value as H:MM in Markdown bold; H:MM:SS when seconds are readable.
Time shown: **9:42**
